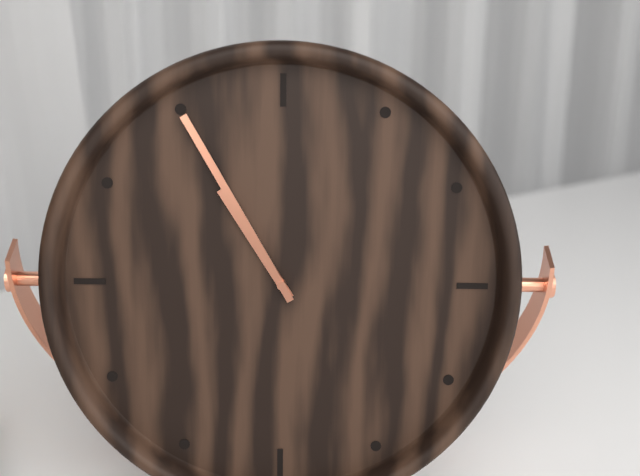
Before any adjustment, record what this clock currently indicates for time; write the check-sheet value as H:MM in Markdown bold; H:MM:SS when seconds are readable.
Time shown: **10:55**
